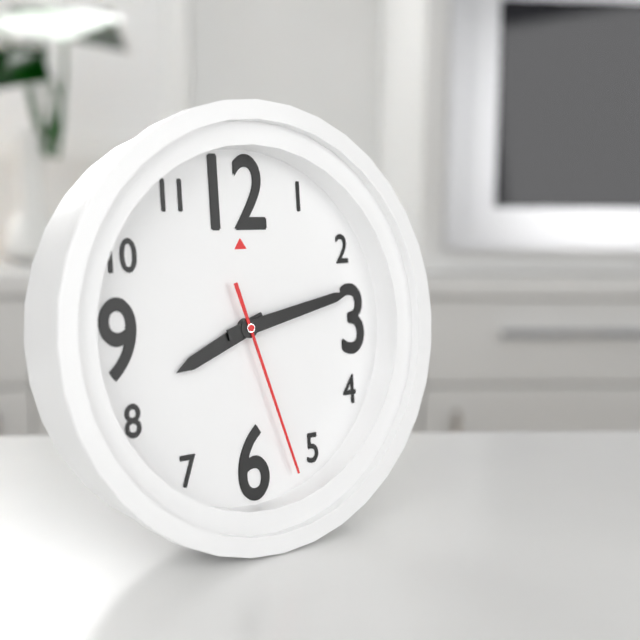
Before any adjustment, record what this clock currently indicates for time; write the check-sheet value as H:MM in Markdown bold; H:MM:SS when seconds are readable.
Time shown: **8:13:27**
